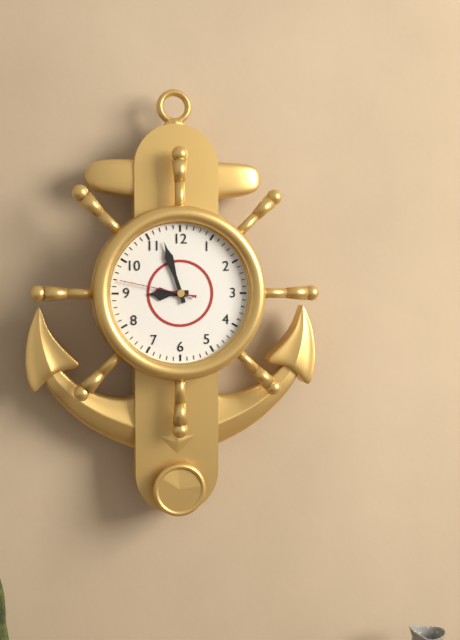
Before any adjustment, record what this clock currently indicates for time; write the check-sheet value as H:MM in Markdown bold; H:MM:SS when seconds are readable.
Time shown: **8:57:47**
